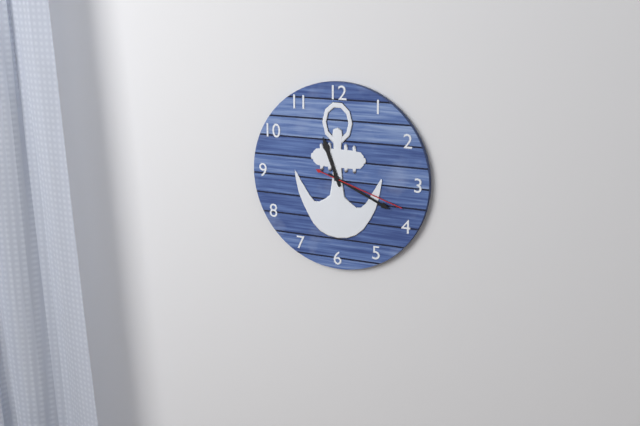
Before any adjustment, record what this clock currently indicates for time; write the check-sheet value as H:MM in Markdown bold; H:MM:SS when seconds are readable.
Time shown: **11:19:18**
